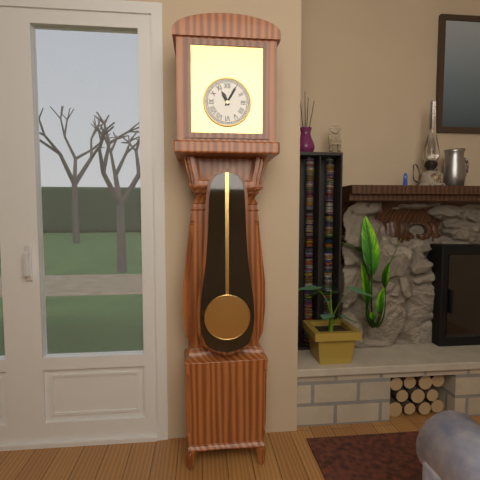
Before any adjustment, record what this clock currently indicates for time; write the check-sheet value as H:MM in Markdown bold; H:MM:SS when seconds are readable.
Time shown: **11:05**
